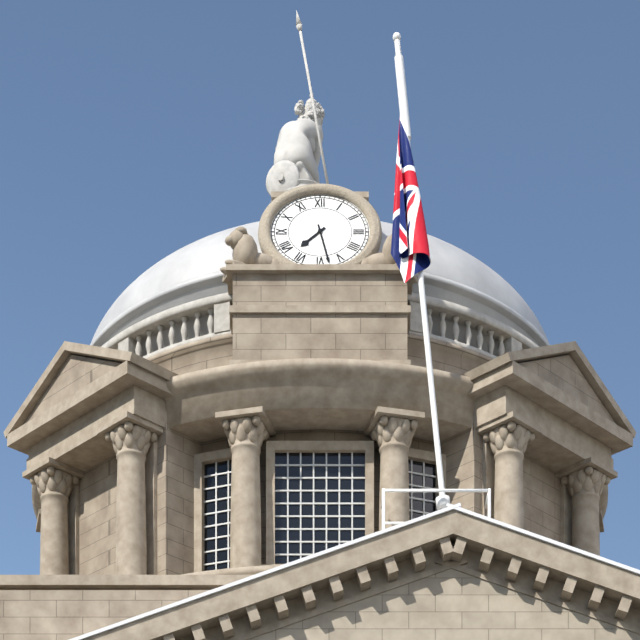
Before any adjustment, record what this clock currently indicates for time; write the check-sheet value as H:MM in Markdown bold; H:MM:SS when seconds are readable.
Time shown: **7:28**
